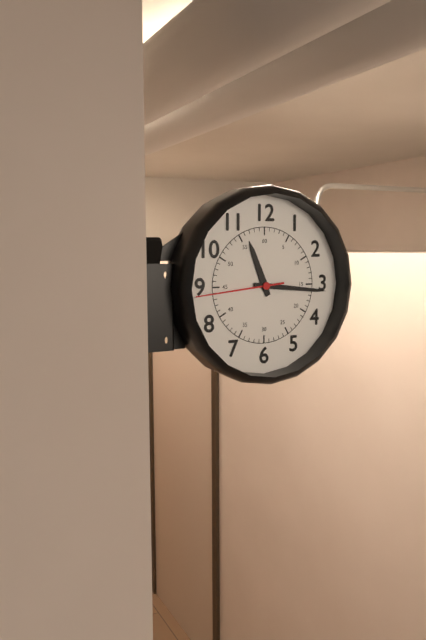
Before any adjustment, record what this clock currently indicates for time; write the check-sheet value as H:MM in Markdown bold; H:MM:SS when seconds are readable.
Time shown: **11:16:44**
